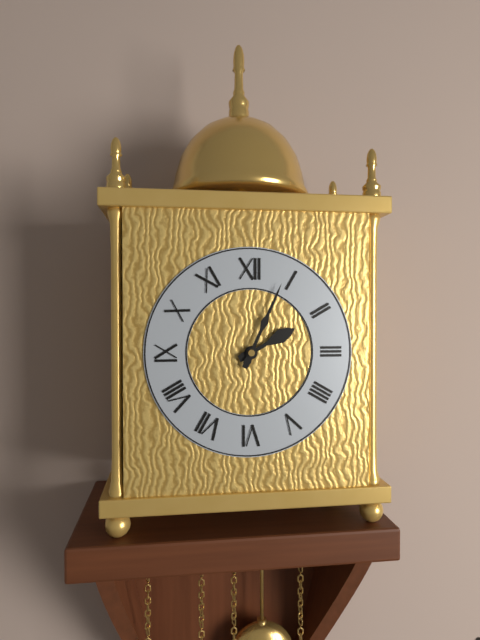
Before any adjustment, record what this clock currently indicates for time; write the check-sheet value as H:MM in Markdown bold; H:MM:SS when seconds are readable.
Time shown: **2:04**
